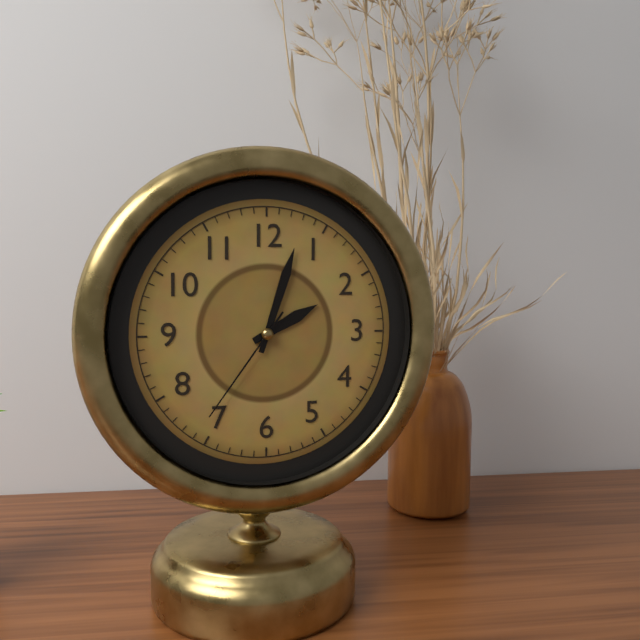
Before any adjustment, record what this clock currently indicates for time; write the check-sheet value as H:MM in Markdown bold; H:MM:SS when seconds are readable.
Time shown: **2:03:36**
